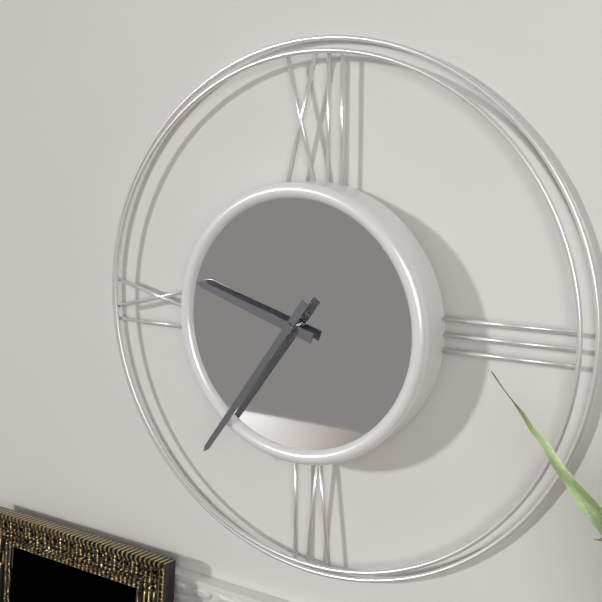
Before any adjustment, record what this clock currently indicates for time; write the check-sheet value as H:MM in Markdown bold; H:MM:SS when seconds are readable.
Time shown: **9:36**
